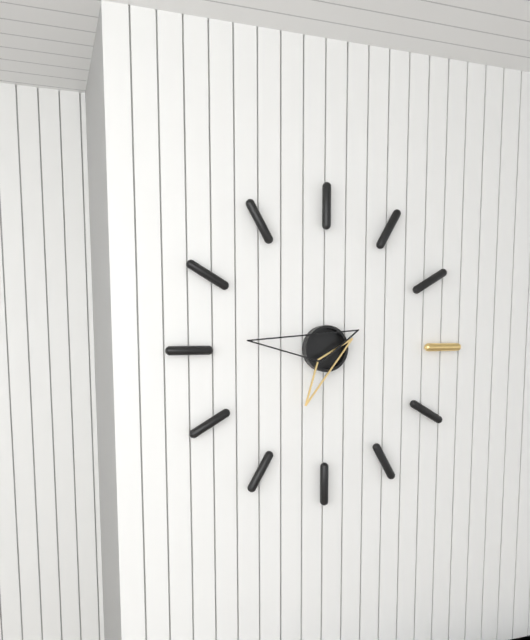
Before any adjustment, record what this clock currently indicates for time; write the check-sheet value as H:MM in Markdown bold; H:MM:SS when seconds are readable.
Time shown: **6:46**
